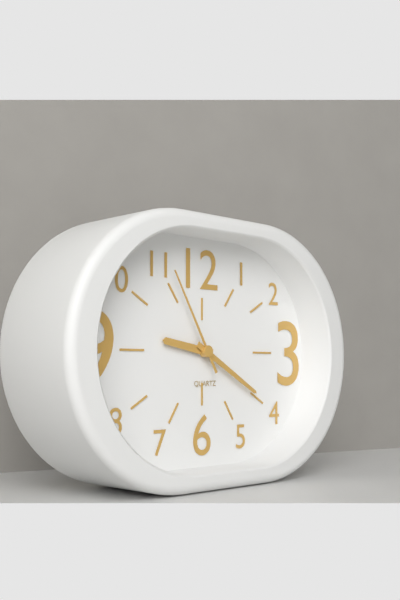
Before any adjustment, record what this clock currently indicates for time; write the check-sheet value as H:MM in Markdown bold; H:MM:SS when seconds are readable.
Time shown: **9:20:55**
